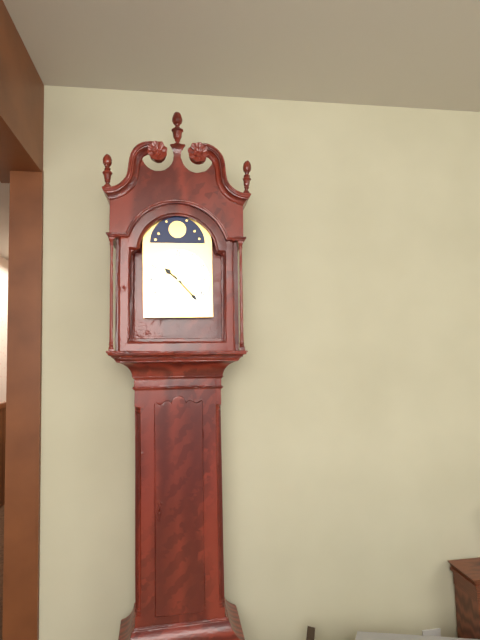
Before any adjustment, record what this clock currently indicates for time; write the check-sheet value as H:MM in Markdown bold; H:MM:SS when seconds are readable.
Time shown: **10:23**
